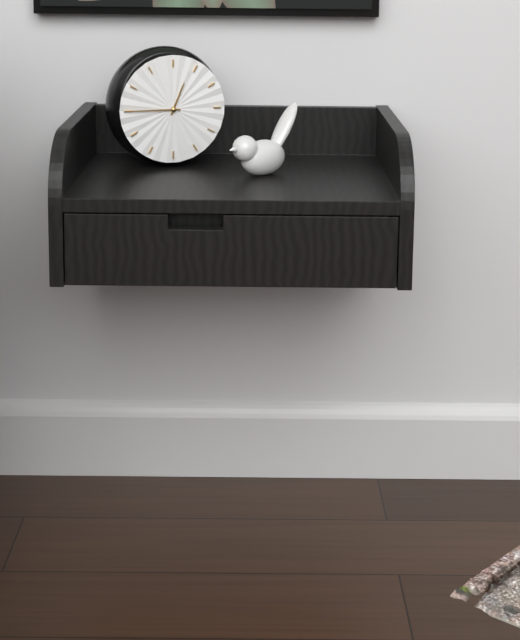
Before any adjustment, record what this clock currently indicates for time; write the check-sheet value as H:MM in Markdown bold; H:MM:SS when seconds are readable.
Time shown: **12:45**
